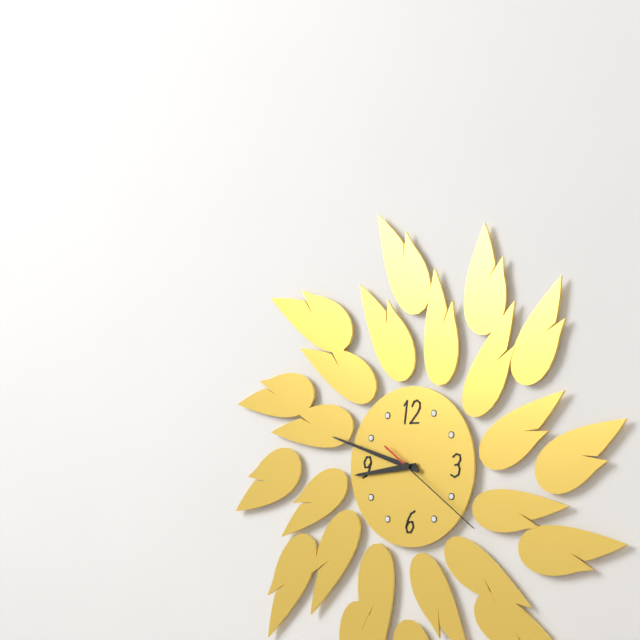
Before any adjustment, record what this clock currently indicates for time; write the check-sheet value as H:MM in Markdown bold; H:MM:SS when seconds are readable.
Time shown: **8:48:21**
